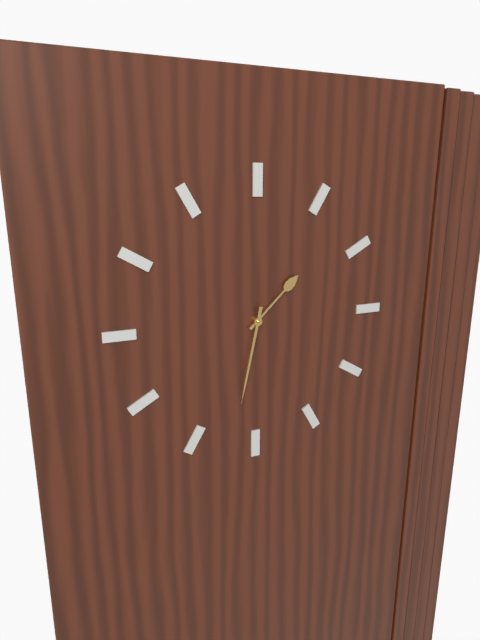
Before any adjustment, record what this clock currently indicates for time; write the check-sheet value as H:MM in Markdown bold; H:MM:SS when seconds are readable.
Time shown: **1:32**
